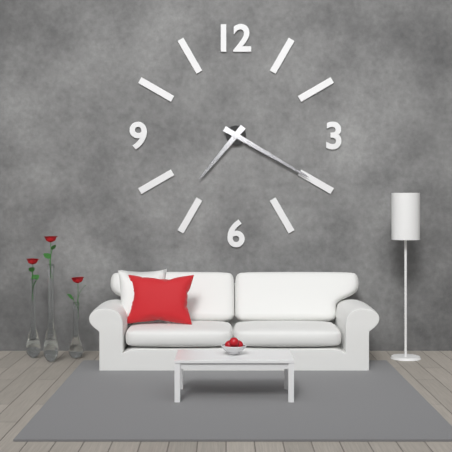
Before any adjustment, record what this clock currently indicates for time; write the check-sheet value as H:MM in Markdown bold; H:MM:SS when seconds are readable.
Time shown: **7:20**
